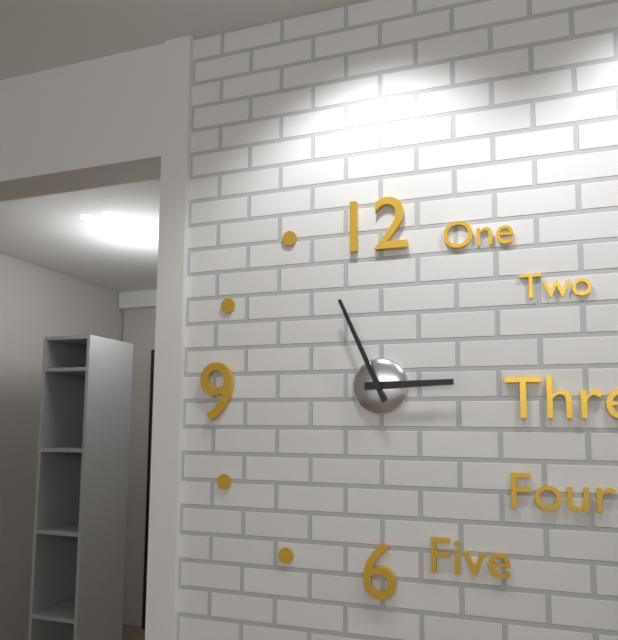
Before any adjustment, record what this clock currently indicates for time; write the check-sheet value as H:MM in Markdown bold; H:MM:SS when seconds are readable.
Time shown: **2:56**
